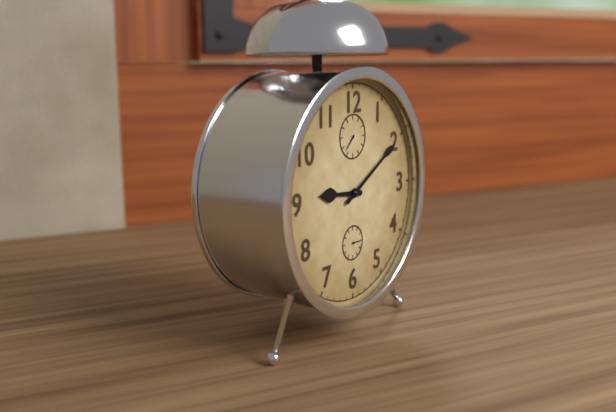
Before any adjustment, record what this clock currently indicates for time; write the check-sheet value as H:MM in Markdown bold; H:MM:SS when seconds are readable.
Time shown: **9:10**
